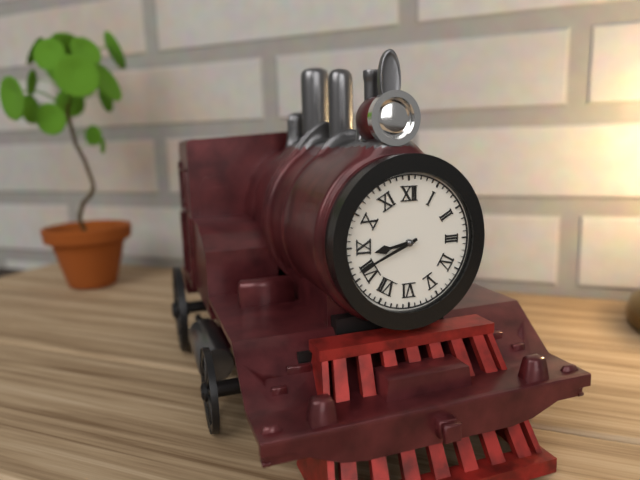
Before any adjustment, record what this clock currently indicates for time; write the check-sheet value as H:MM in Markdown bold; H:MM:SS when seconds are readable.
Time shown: **8:41**
